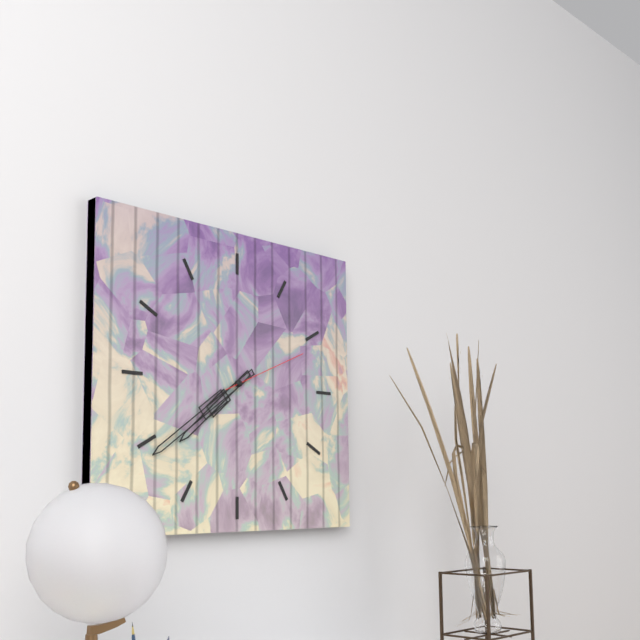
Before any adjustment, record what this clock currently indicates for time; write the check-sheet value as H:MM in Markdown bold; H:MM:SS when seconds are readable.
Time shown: **7:39:11**
